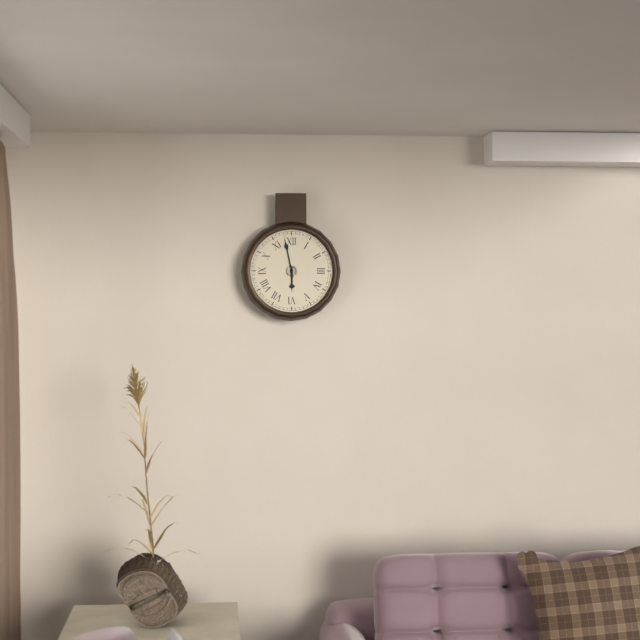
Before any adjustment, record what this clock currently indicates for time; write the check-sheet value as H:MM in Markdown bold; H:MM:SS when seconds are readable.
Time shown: **5:58**
